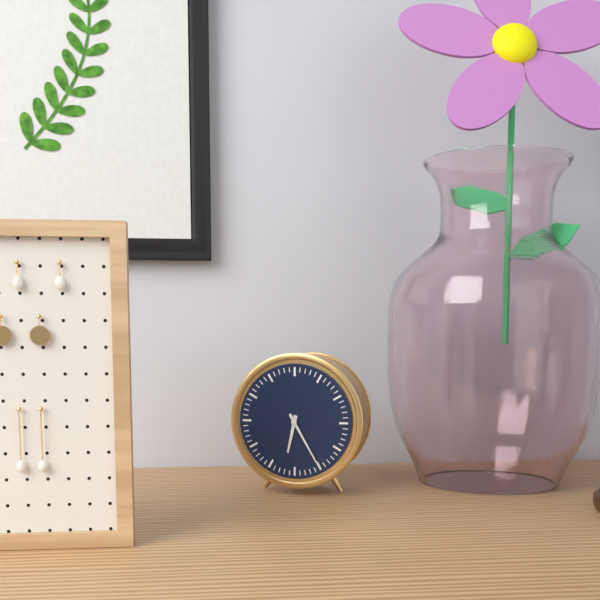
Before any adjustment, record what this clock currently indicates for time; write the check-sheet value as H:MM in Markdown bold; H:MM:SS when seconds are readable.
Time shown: **6:25**
